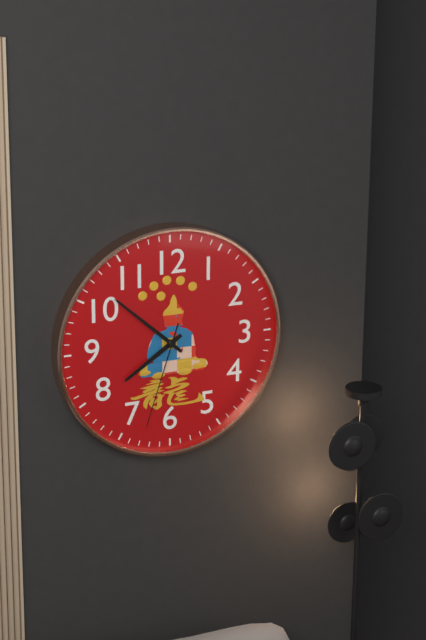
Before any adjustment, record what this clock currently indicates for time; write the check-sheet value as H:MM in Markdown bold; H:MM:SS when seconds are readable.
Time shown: **7:52:33**
